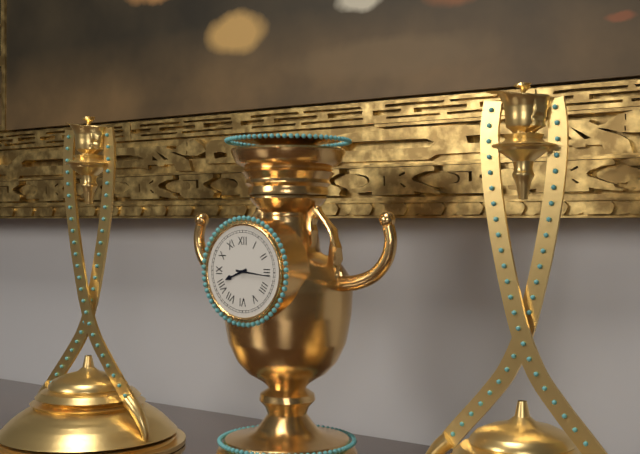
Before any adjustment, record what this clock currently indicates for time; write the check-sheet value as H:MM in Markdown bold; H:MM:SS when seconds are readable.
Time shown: **8:16**
